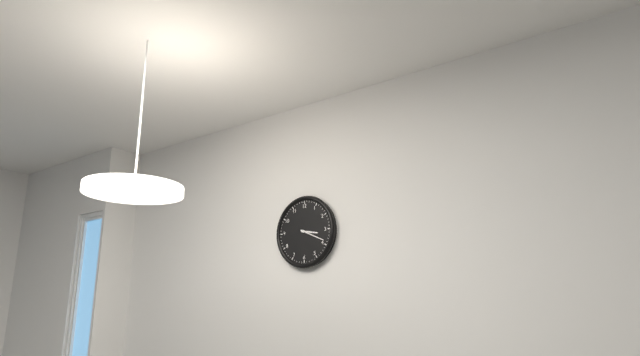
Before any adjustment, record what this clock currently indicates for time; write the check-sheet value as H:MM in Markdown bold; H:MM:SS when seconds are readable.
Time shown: **3:19**
